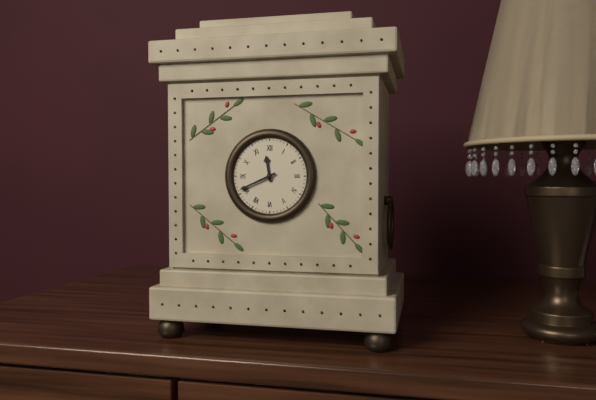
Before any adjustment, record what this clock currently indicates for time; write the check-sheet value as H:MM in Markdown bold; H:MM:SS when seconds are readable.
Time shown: **11:41**
